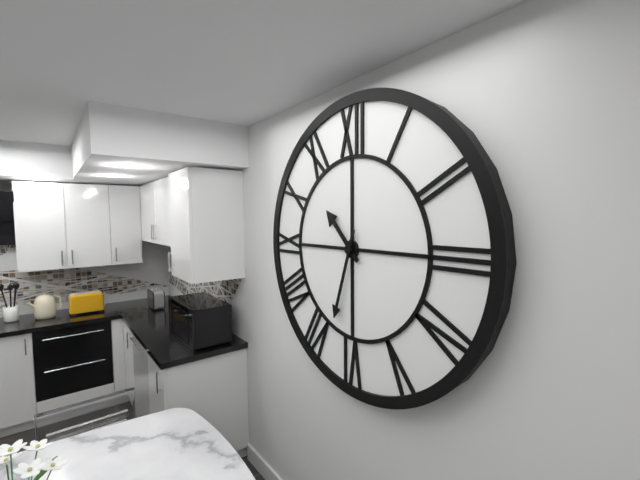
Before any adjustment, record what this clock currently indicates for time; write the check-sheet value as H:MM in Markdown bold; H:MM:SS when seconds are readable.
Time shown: **10:33**
